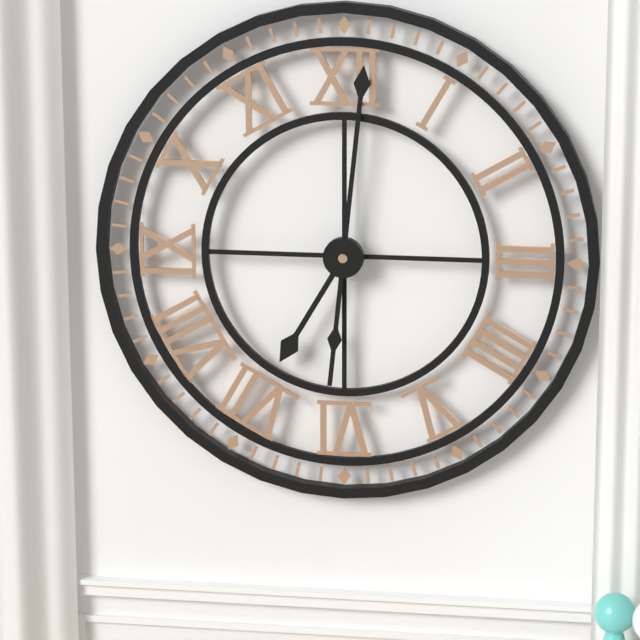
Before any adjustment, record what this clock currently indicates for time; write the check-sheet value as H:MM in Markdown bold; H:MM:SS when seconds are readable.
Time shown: **7:01**
